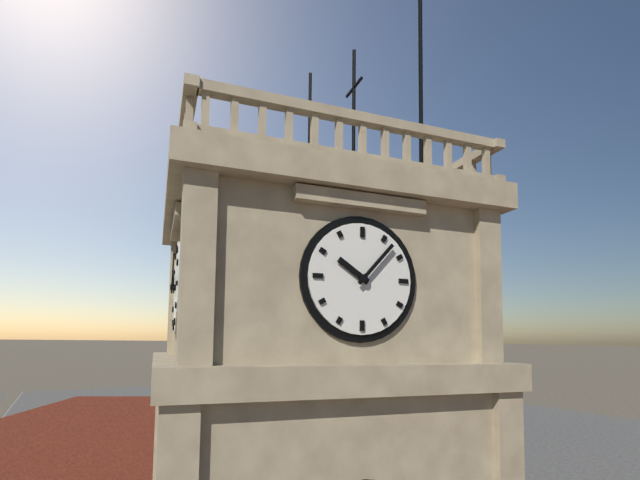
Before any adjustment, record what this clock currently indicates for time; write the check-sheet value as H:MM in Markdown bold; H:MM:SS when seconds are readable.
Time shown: **10:07**
